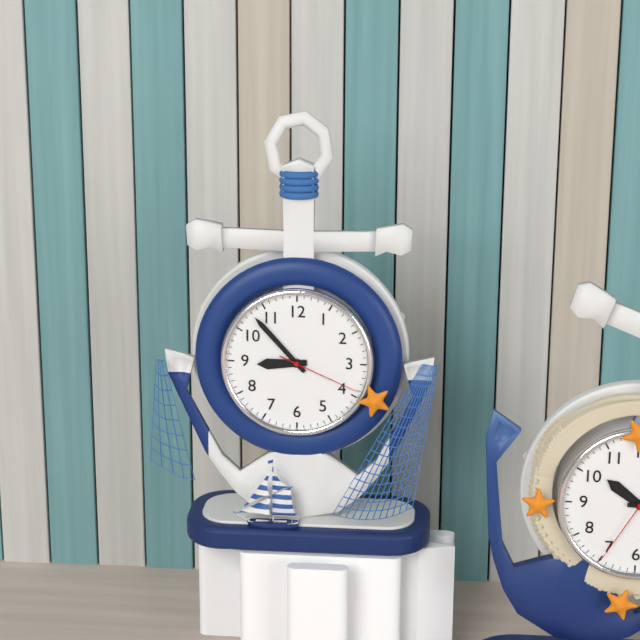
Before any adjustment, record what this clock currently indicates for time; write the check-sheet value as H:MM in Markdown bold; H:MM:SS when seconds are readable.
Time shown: **8:53:19**
